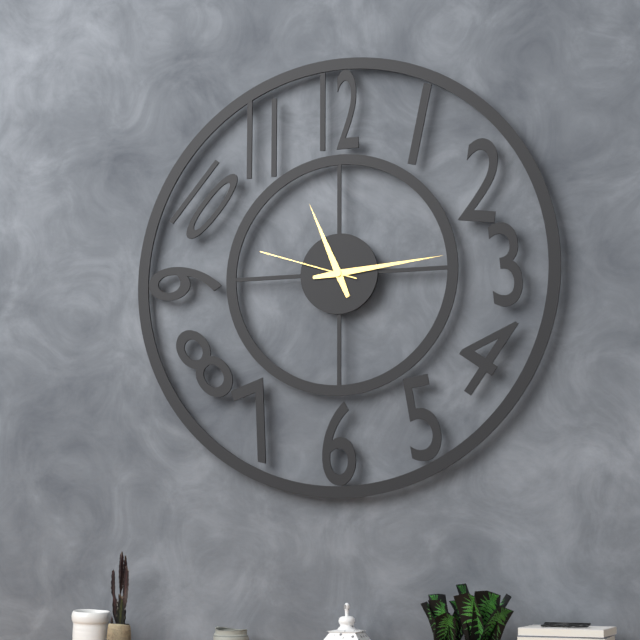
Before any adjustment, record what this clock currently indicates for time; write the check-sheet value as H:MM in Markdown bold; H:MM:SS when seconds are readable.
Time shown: **11:14:48**
